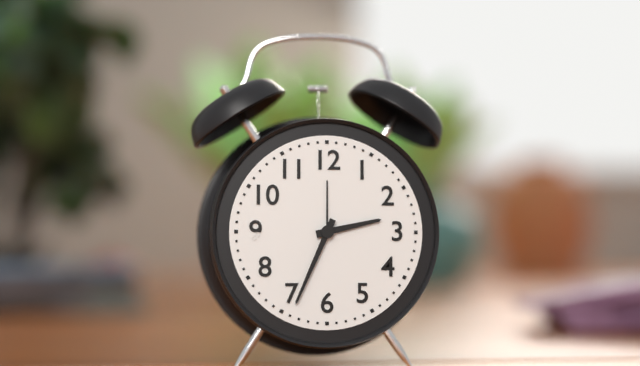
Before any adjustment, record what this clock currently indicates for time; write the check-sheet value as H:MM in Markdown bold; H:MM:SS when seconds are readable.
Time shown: **2:34**
